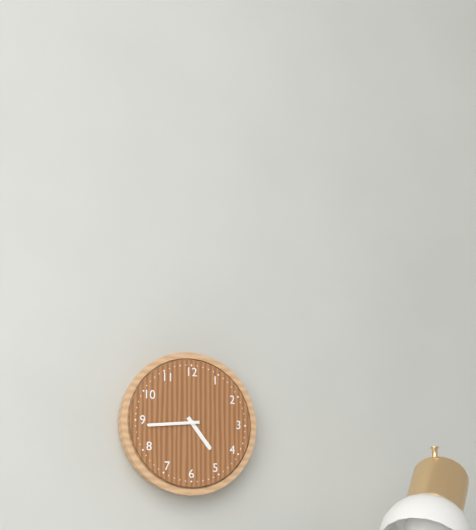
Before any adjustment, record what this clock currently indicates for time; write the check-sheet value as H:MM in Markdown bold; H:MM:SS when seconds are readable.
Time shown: **4:44**
